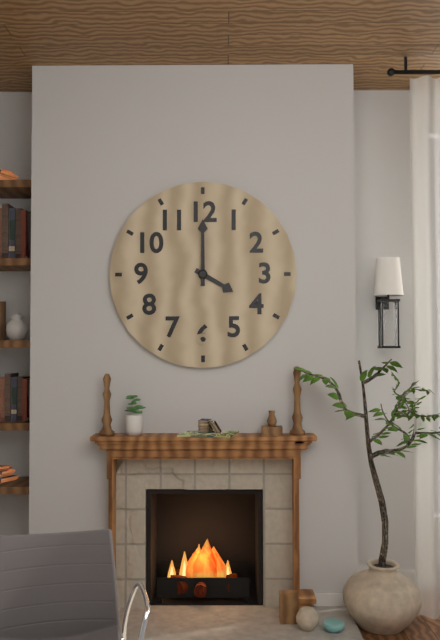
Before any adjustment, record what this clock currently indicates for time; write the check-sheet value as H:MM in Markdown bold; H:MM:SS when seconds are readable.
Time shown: **4:00**
